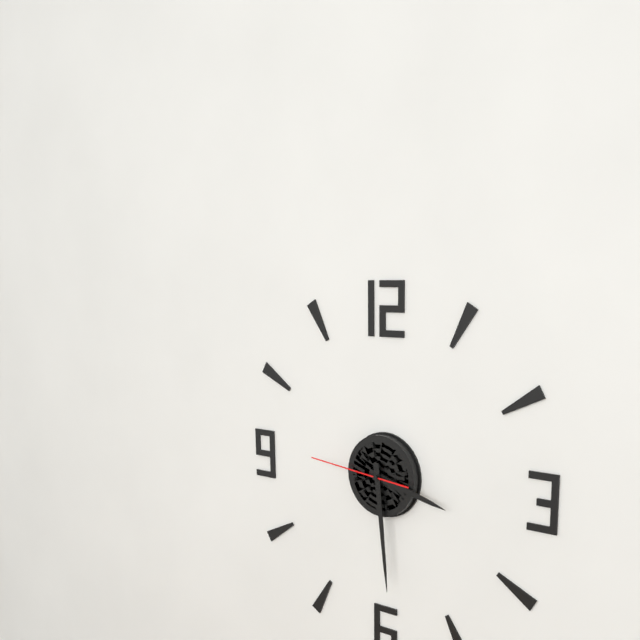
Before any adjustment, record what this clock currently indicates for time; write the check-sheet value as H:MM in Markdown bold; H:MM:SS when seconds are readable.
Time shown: **3:29:46**
